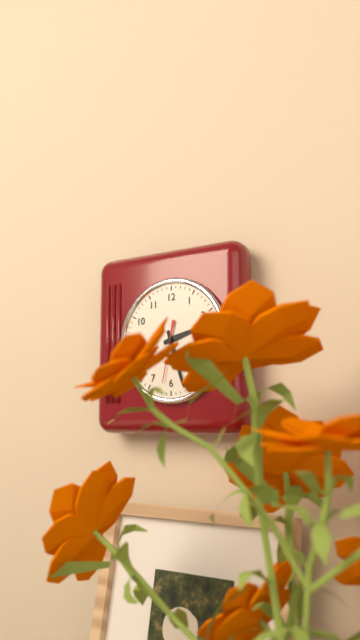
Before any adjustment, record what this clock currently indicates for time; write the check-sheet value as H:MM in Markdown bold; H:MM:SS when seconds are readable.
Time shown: **2:27:32**
